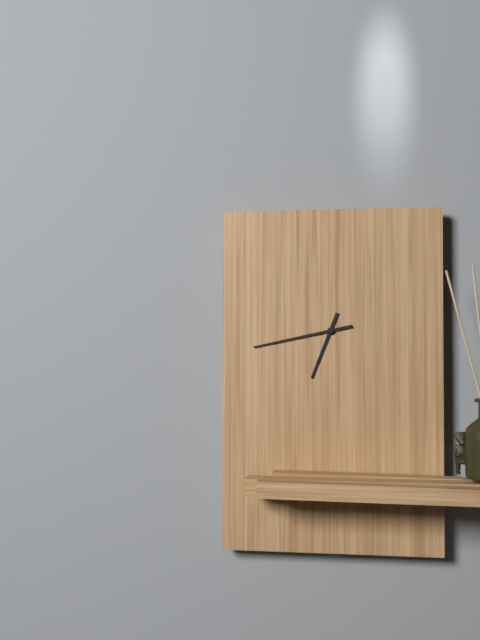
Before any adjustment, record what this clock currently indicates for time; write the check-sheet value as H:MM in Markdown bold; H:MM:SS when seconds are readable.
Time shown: **6:43**
